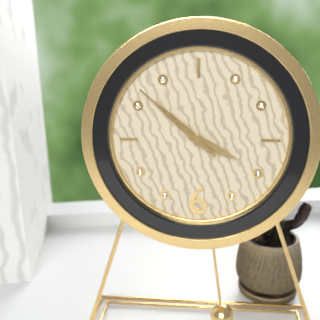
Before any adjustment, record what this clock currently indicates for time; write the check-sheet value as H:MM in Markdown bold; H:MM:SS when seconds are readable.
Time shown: **3:52:52**
